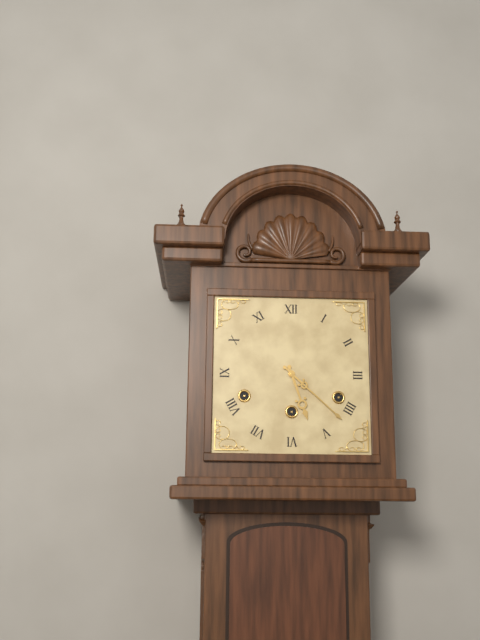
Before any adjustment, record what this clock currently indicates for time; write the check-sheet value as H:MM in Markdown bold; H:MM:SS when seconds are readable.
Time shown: **5:22**
